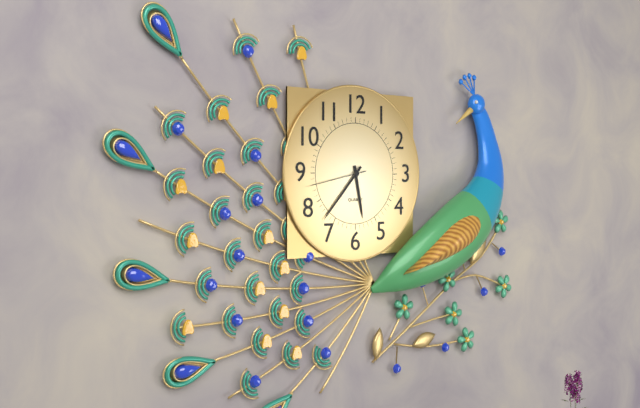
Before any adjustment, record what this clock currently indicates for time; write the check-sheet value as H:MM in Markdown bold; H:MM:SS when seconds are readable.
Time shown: **5:37:43**
